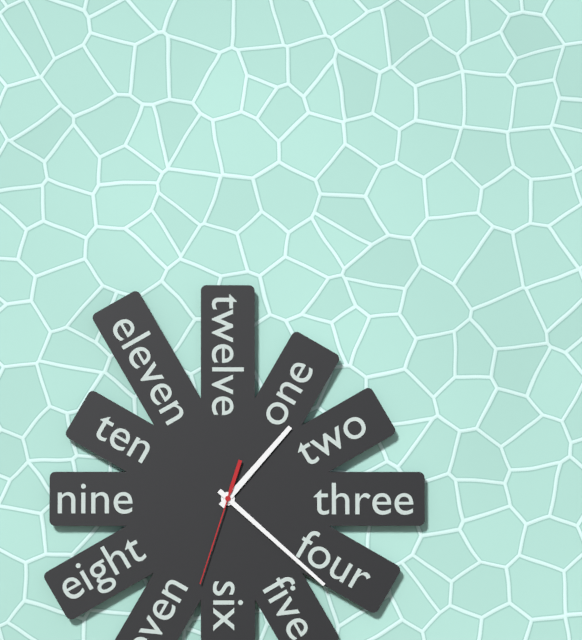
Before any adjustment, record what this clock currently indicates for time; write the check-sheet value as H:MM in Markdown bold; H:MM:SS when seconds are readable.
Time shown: **1:22:33**
